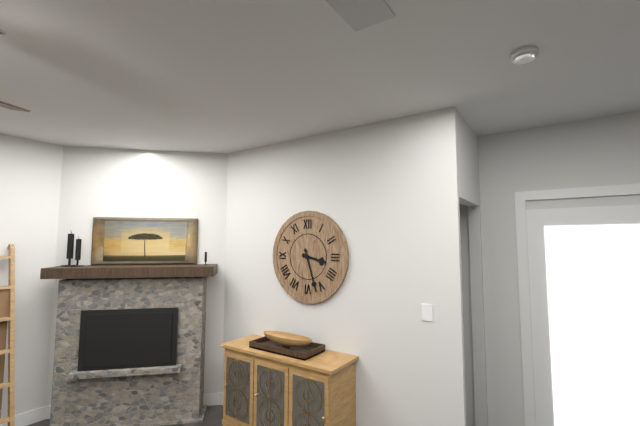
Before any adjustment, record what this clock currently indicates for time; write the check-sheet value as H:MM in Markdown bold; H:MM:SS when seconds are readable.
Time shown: **3:27**
